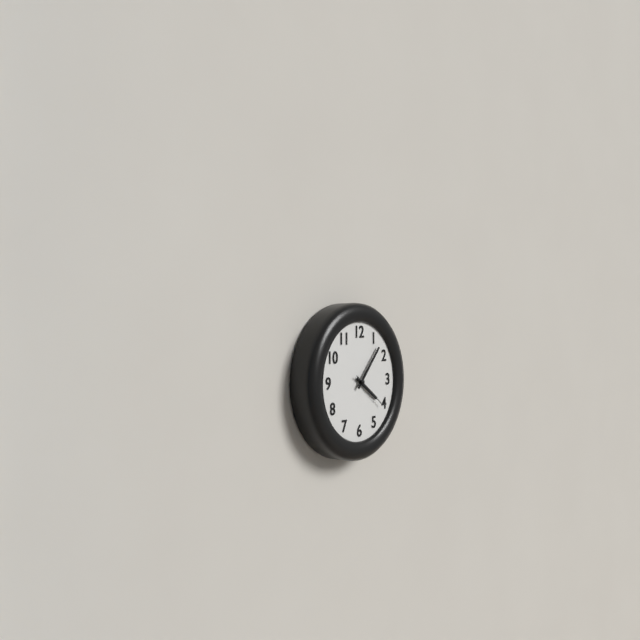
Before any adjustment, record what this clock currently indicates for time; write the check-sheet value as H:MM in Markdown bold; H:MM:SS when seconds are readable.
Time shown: **4:07**
